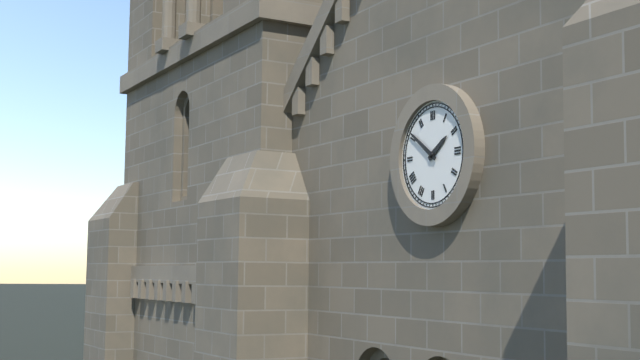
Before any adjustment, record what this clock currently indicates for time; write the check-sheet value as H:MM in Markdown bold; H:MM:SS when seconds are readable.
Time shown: **1:51**
